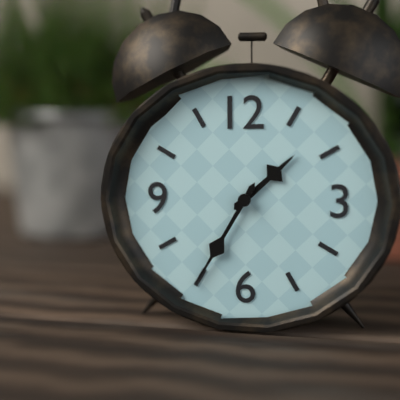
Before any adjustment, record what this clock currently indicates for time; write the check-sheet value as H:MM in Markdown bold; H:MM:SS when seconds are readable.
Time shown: **1:35**
